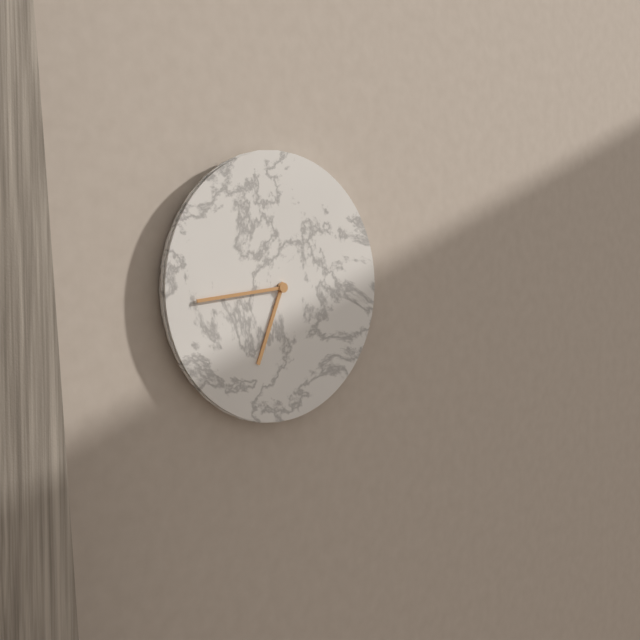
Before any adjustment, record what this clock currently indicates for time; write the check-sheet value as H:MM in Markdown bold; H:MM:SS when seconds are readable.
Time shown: **6:44**
